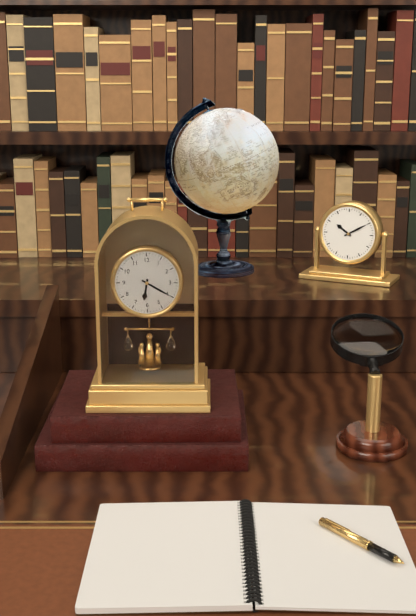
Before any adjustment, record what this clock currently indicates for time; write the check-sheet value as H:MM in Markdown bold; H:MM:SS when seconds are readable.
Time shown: **6:20**
